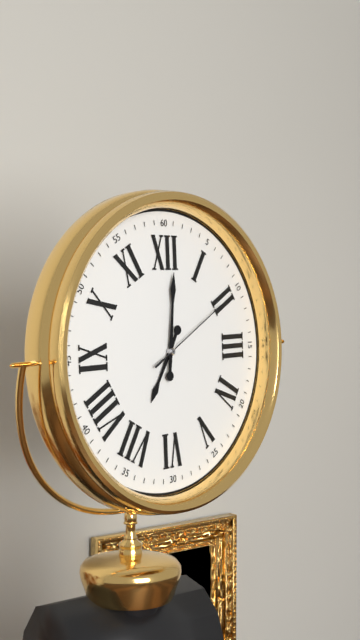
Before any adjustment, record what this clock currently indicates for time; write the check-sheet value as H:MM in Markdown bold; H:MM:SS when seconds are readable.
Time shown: **7:01:10**
